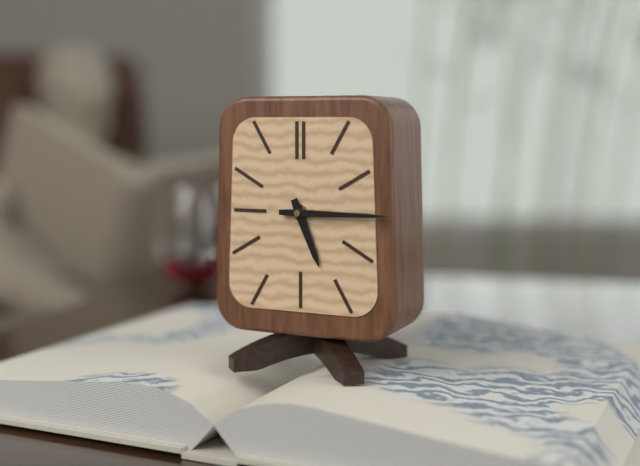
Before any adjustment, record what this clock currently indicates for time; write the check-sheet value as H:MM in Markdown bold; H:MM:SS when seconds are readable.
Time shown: **5:15**
